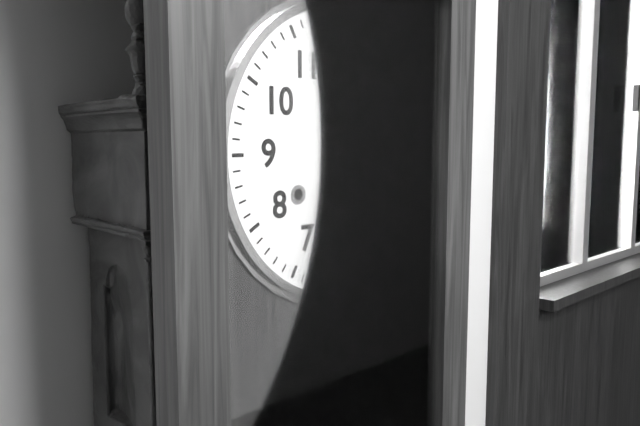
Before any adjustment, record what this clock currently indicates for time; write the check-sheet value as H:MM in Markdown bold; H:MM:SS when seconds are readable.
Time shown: **5:19**
